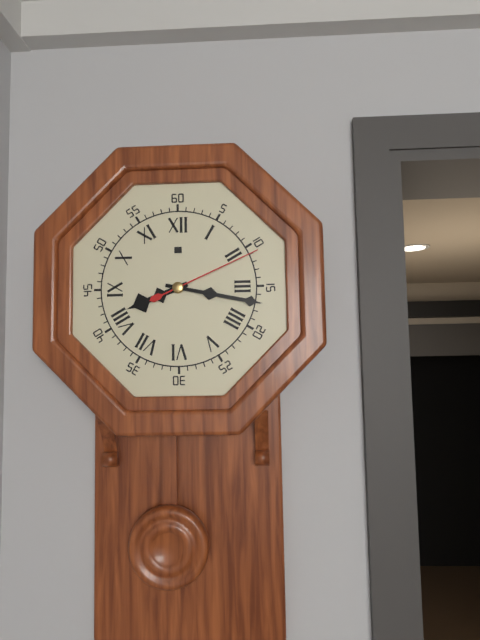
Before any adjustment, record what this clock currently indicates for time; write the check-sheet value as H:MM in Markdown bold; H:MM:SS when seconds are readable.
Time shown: **8:17:11**
